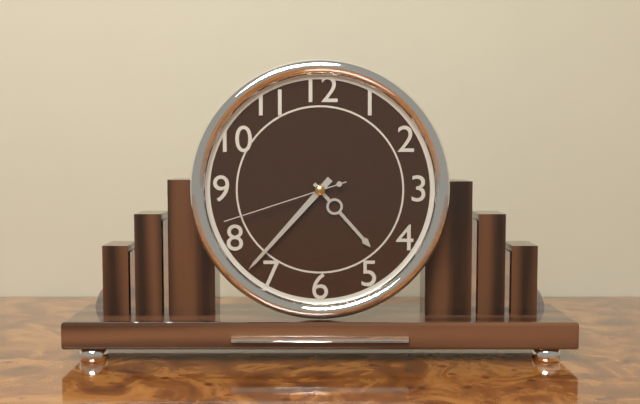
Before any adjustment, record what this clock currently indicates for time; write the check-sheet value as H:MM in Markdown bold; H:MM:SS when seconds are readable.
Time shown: **4:37:42**
